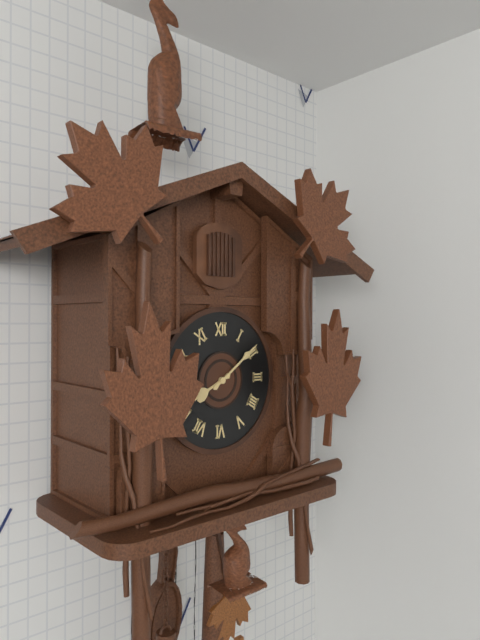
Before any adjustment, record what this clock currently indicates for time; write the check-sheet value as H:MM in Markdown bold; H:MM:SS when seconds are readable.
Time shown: **8:09**
